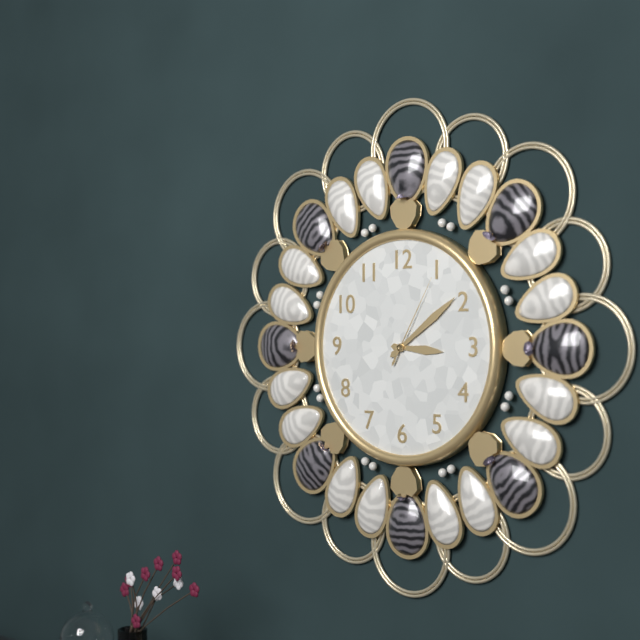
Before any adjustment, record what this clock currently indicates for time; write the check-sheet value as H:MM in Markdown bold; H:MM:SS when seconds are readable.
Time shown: **3:09:05**
